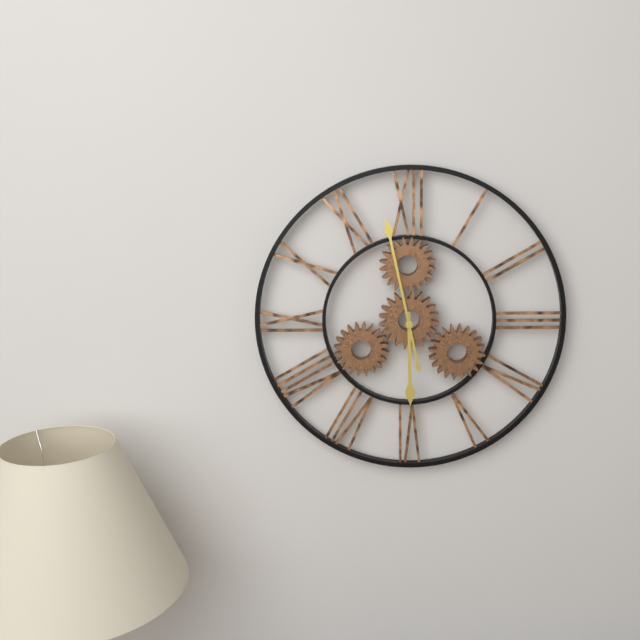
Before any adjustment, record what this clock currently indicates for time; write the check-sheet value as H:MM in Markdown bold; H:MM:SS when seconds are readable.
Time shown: **5:58**
